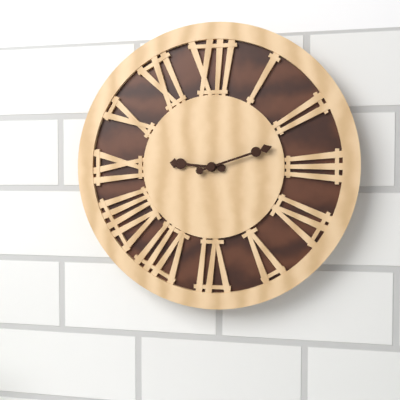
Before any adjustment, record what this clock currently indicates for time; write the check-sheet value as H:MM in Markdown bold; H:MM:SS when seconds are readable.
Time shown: **9:12**
